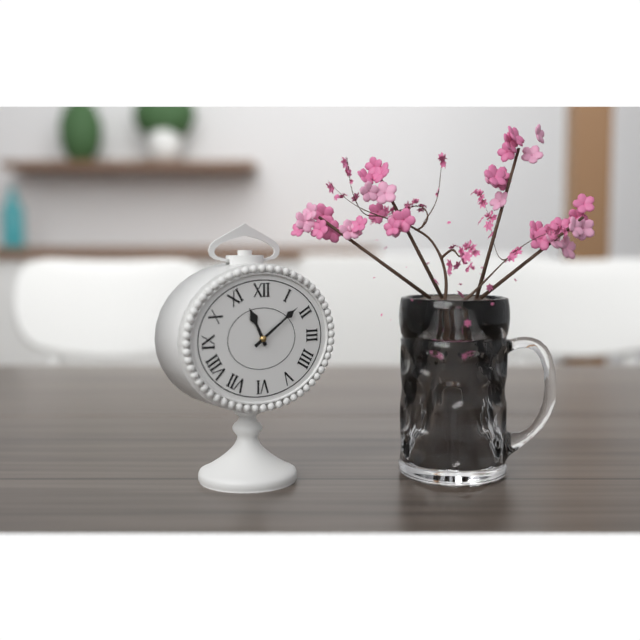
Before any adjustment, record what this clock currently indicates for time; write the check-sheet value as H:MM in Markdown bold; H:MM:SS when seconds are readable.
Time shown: **11:09**
